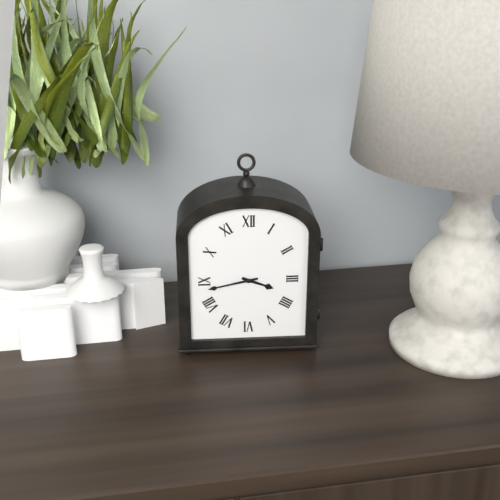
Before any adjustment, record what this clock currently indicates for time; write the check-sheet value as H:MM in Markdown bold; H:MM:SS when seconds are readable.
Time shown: **3:43**
